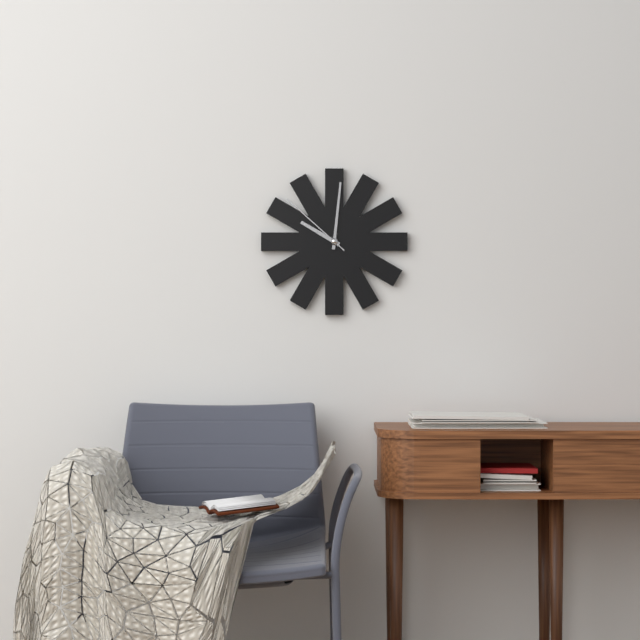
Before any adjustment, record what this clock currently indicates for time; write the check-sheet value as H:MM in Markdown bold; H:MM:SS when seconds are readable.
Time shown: **10:01:52**
